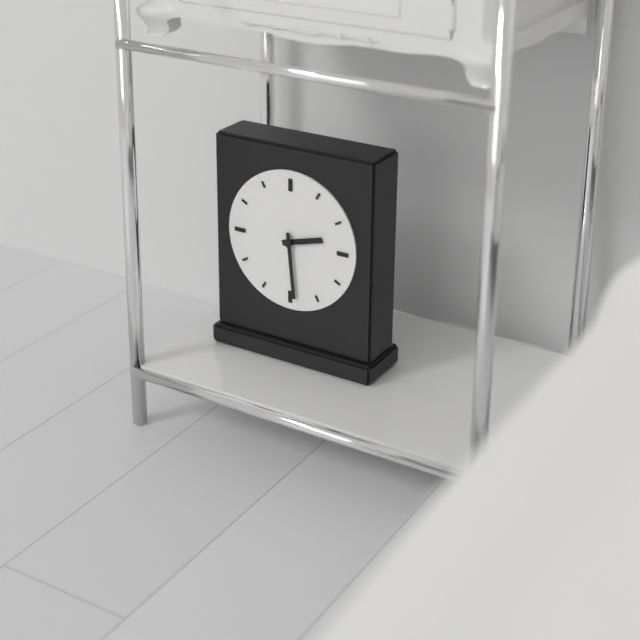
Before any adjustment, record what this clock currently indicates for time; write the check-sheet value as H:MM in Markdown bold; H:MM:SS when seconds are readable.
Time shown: **2:29**
